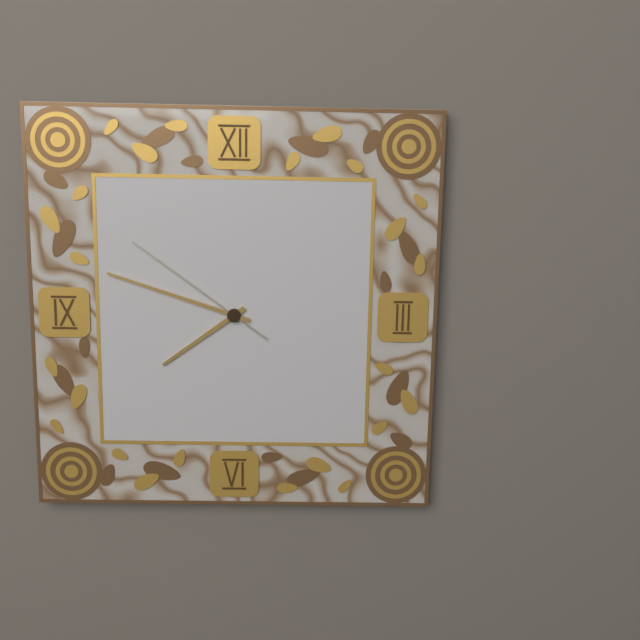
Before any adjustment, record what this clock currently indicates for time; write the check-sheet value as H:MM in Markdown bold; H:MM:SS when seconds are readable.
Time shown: **7:48:51**
